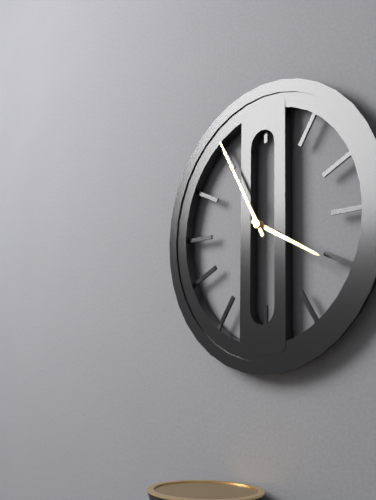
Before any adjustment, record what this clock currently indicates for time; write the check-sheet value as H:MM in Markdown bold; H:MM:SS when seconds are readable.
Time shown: **3:55**
